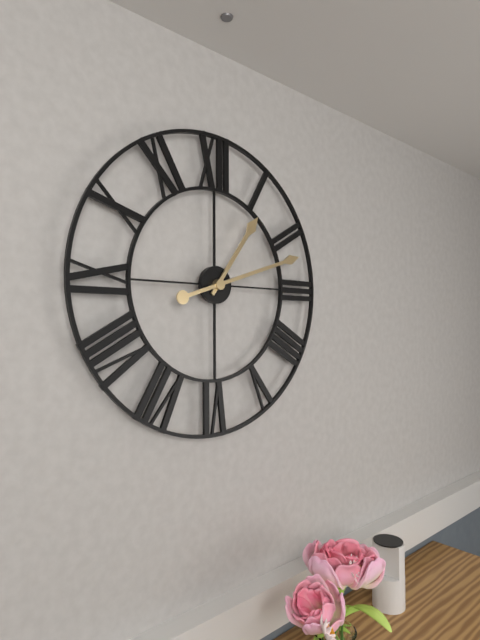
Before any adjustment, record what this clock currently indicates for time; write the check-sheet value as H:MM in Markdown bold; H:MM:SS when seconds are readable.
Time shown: **1:12**
